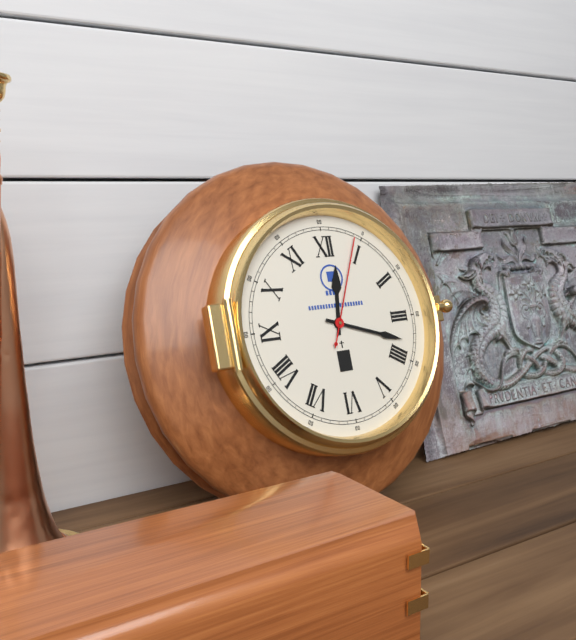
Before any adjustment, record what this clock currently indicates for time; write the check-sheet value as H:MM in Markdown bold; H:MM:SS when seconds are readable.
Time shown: **12:18:04**
